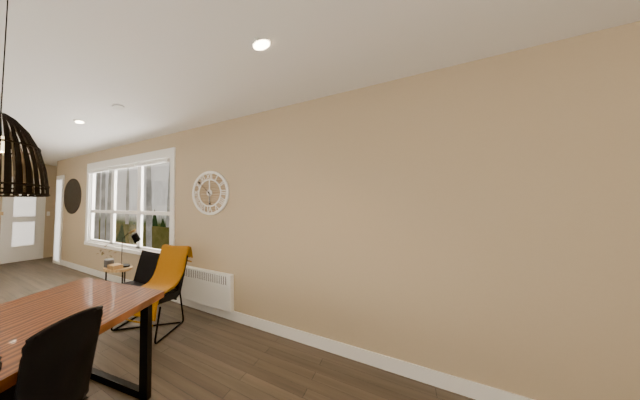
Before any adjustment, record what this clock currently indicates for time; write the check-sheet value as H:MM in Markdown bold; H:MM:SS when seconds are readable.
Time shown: **5:52**
